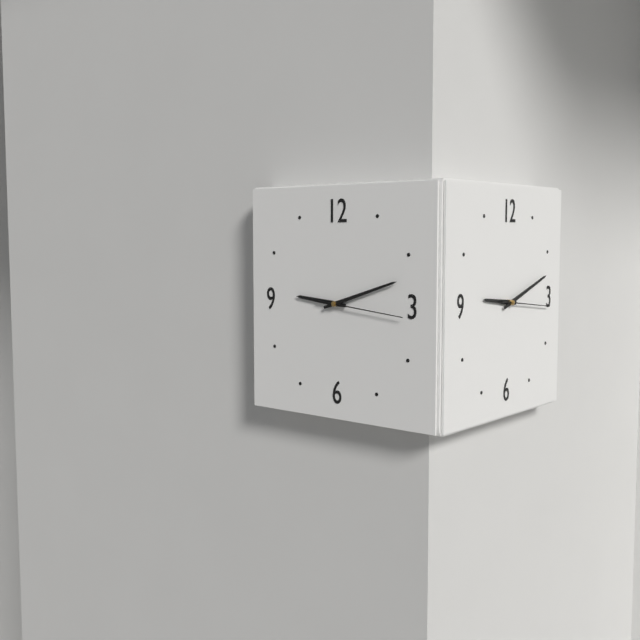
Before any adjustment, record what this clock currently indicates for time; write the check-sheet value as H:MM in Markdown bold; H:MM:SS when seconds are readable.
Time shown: **9:12:16**
